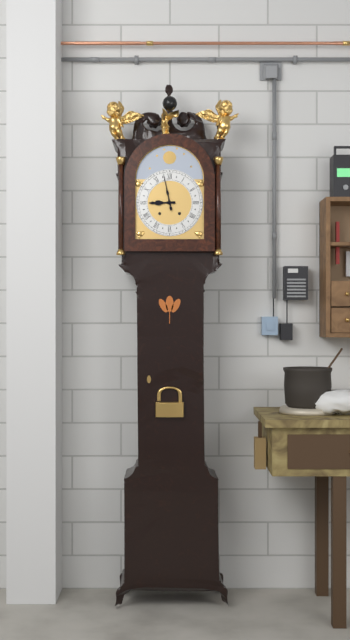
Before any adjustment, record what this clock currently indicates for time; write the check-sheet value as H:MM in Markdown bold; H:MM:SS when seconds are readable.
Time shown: **8:58**
